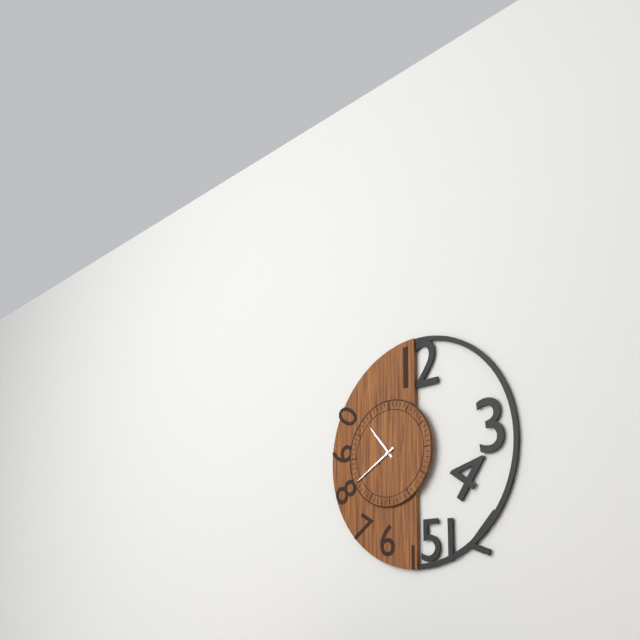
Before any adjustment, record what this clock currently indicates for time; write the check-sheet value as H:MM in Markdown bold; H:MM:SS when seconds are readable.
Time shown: **10:40**
